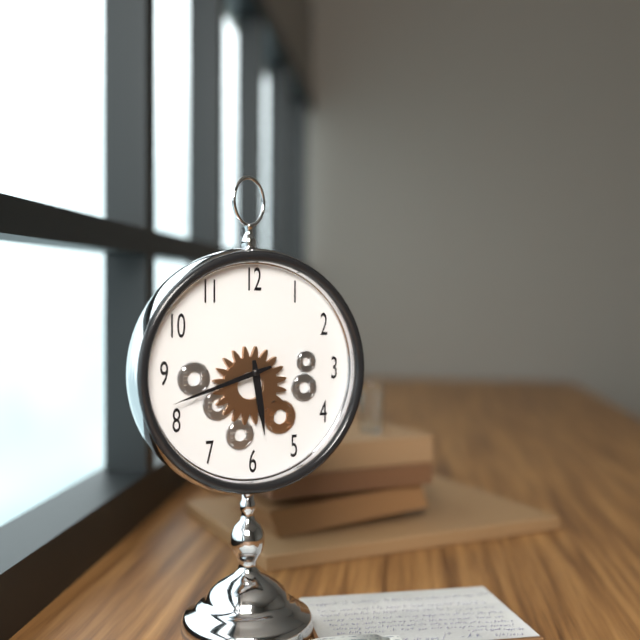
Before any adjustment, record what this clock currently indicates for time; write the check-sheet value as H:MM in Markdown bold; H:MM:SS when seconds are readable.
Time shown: **5:42**
